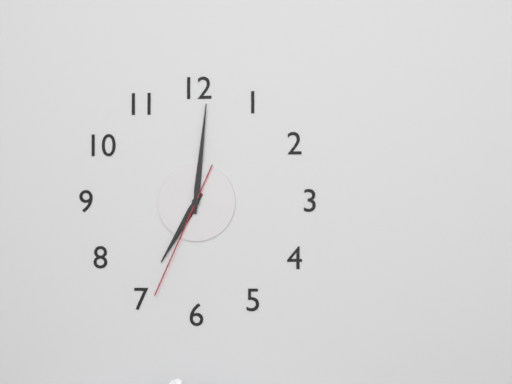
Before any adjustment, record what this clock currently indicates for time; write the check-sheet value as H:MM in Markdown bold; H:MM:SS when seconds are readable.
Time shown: **7:01:34**
